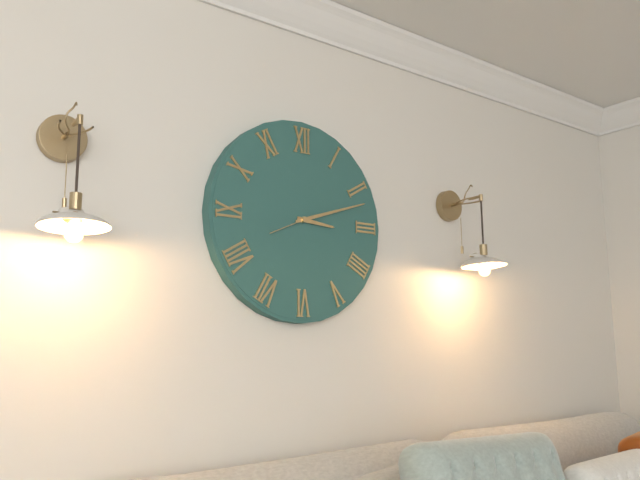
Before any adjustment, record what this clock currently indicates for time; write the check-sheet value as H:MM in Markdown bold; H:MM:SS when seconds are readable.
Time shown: **3:12**
